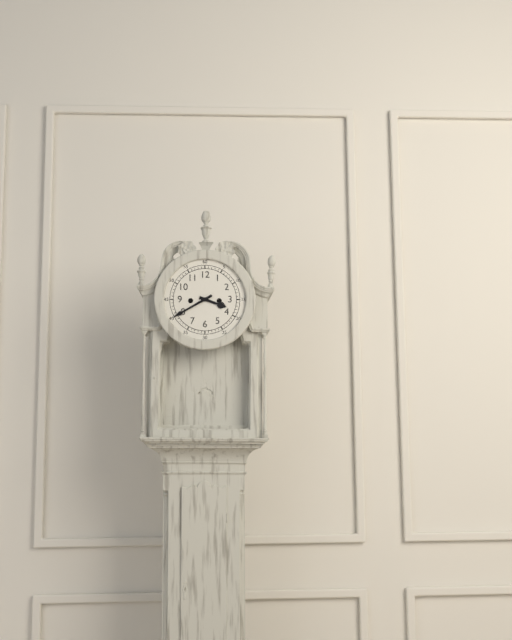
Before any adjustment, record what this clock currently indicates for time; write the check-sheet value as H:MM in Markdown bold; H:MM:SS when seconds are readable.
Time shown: **3:40**
